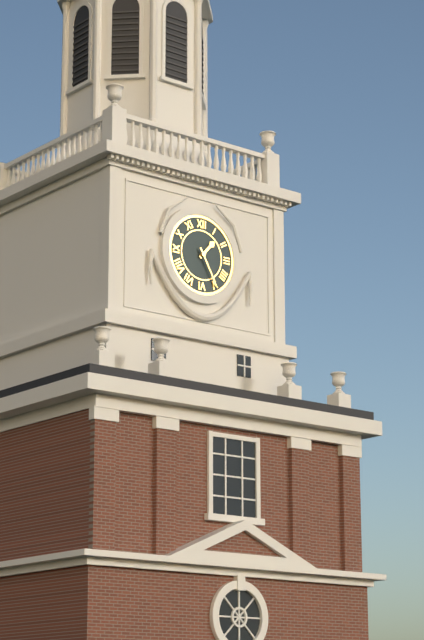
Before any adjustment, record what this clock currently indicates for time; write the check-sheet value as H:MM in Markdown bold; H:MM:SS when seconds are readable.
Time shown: **1:25**
